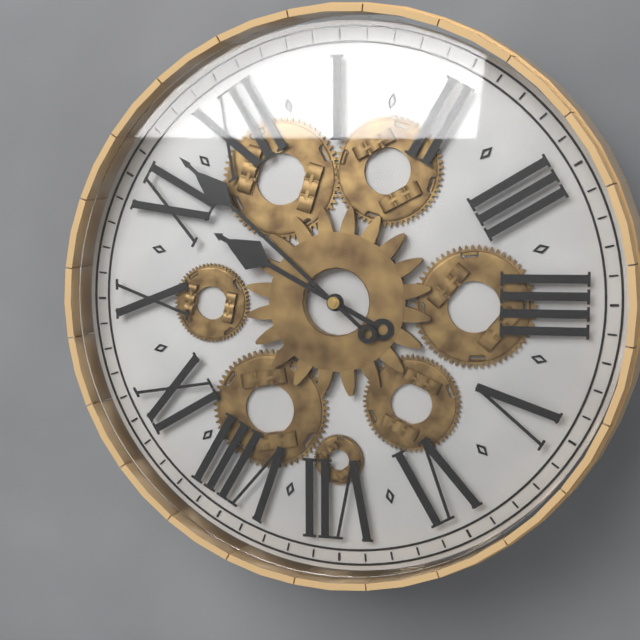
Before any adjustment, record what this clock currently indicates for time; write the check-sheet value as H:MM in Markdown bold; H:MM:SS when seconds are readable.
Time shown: **10:57**
